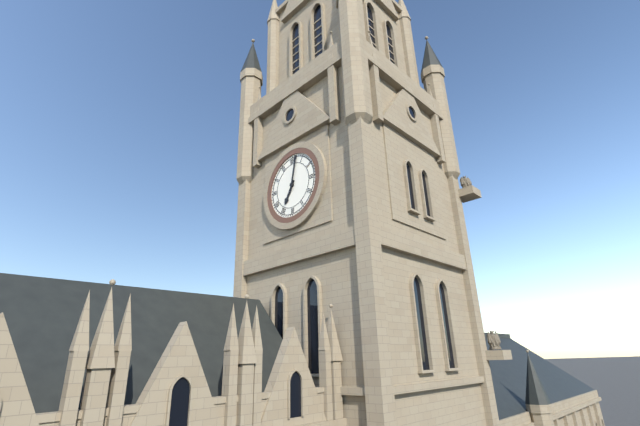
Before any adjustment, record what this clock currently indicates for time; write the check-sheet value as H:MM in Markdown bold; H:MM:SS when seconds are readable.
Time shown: **7:02**
